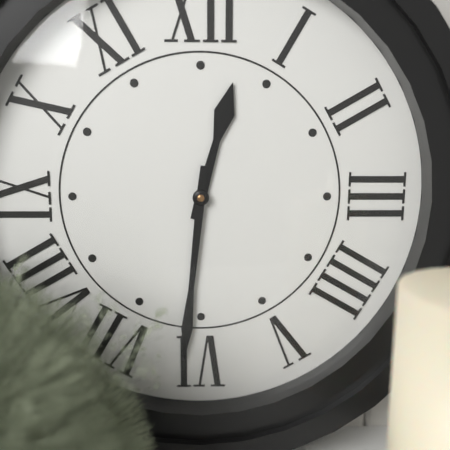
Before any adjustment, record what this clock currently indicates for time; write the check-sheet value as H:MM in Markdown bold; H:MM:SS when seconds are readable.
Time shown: **12:31**
